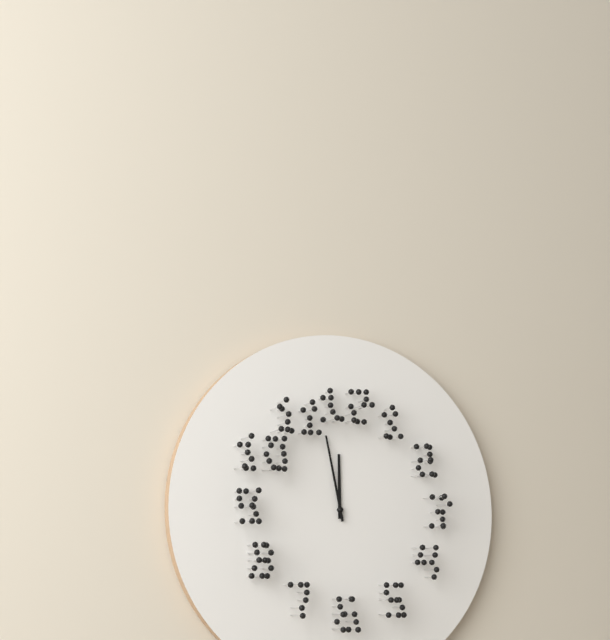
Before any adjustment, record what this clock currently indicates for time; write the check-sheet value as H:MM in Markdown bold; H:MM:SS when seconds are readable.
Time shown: **11:58**
